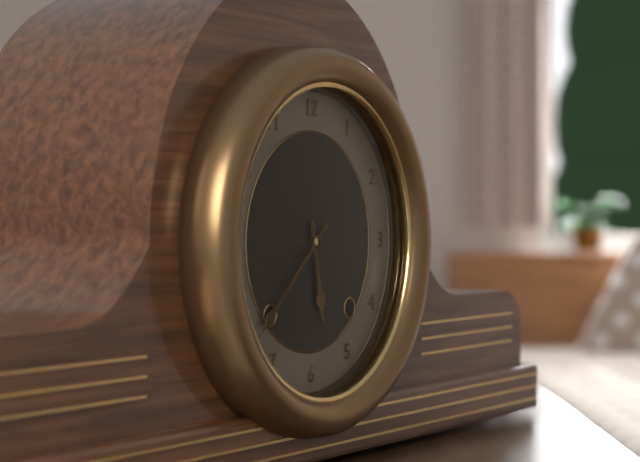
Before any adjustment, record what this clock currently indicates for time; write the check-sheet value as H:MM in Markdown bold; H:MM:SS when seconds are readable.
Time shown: **5:38**
